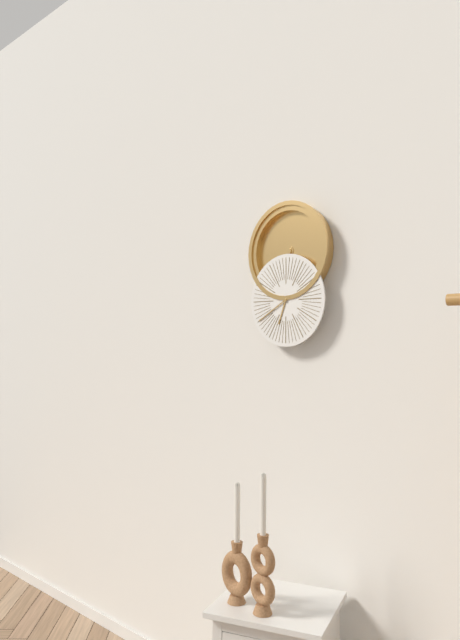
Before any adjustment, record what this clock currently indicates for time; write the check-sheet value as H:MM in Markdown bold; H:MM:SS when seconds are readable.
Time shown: **6:40**
